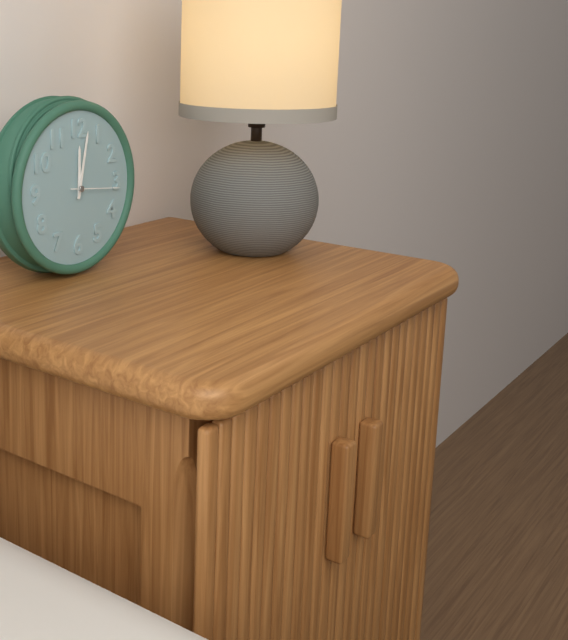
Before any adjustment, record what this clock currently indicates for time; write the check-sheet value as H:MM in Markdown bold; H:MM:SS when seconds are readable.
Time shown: **12:02**
